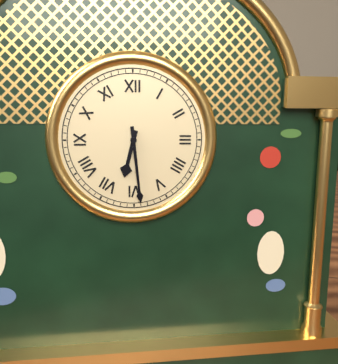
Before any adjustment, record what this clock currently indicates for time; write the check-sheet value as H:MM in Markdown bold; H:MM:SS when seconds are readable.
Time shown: **6:29**
